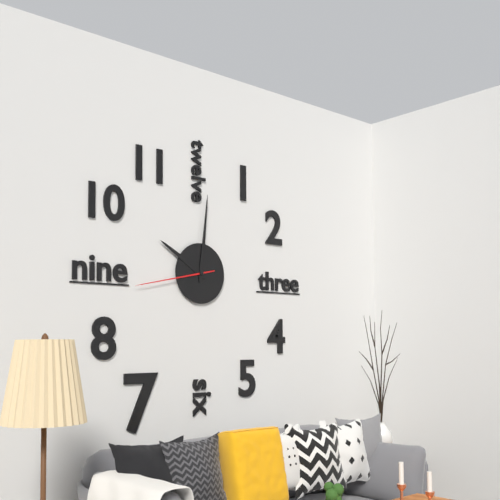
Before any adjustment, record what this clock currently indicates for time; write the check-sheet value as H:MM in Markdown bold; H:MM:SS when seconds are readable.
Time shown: **10:01:43**
